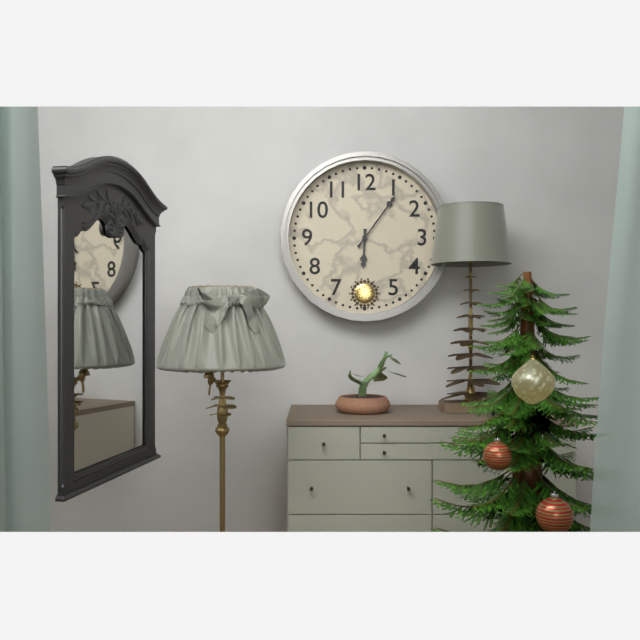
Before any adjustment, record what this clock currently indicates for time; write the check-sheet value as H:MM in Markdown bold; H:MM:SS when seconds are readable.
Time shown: **6:06**
